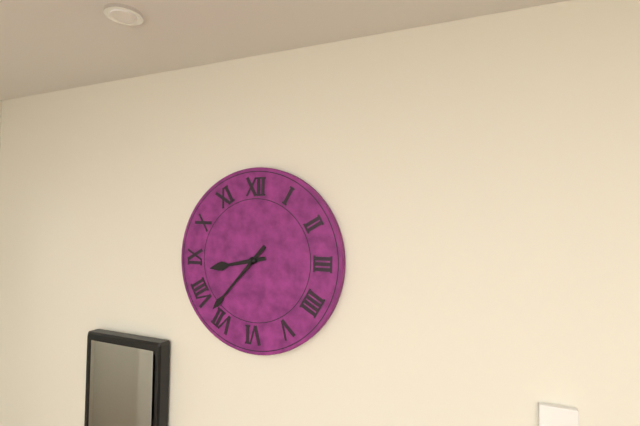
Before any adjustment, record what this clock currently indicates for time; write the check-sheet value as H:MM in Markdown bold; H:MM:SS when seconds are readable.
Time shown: **8:37**
